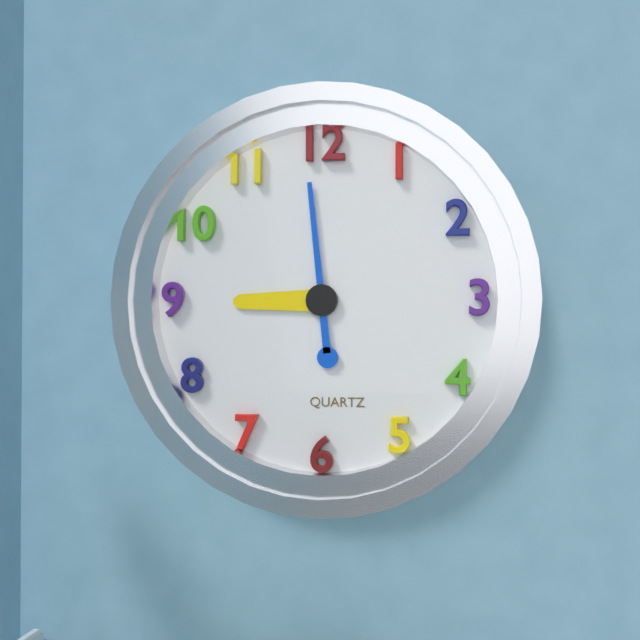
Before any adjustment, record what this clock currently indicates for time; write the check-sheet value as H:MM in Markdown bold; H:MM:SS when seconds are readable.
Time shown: **8:59**
